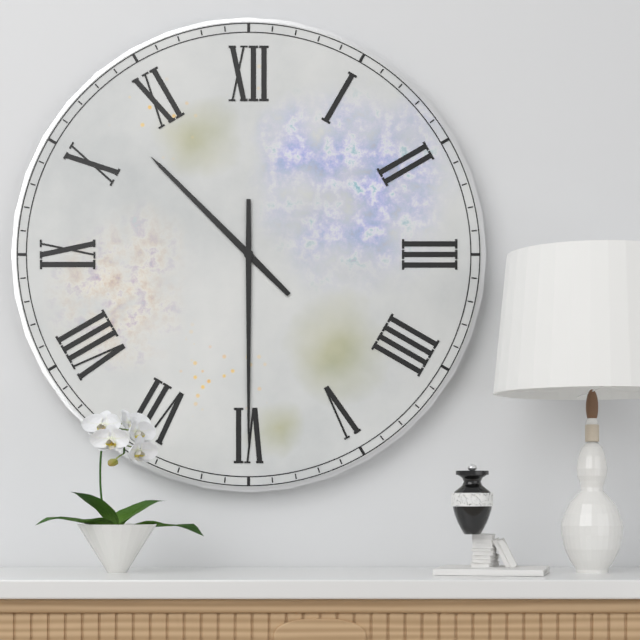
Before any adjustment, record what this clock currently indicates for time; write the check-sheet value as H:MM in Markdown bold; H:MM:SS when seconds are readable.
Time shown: **10:30**
